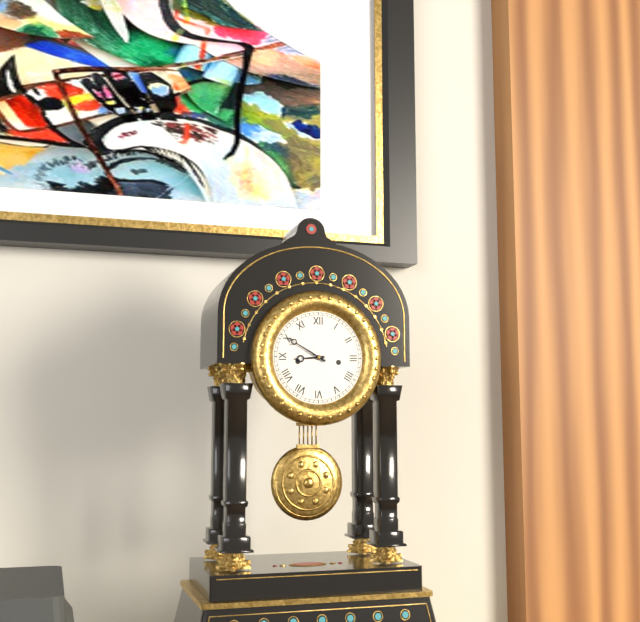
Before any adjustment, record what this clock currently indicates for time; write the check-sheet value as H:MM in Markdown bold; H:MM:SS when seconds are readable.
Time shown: **8:50**
